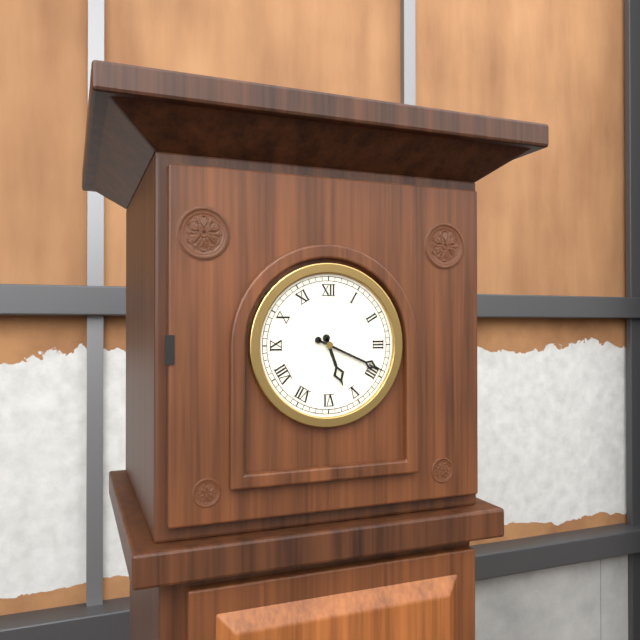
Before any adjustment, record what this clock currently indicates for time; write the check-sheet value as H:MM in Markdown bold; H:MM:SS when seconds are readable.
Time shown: **5:19**
